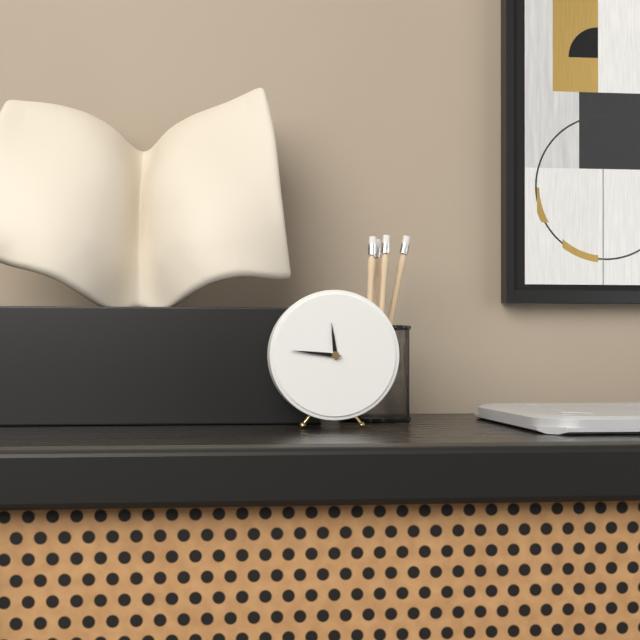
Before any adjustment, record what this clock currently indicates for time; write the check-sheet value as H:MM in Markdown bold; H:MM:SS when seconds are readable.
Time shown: **11:46**
